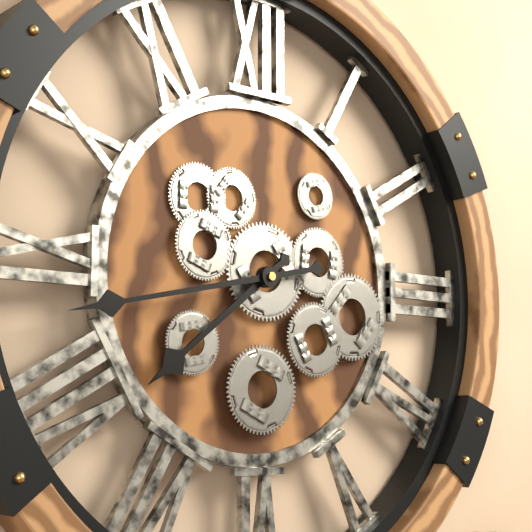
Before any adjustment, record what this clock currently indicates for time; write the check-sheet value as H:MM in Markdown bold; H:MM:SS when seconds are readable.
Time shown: **7:43**
